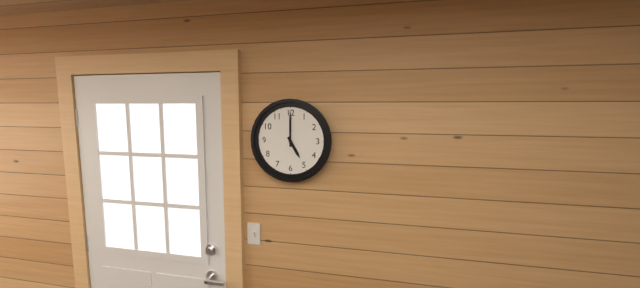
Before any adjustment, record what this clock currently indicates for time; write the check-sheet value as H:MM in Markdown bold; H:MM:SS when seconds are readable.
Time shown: **5:00**
